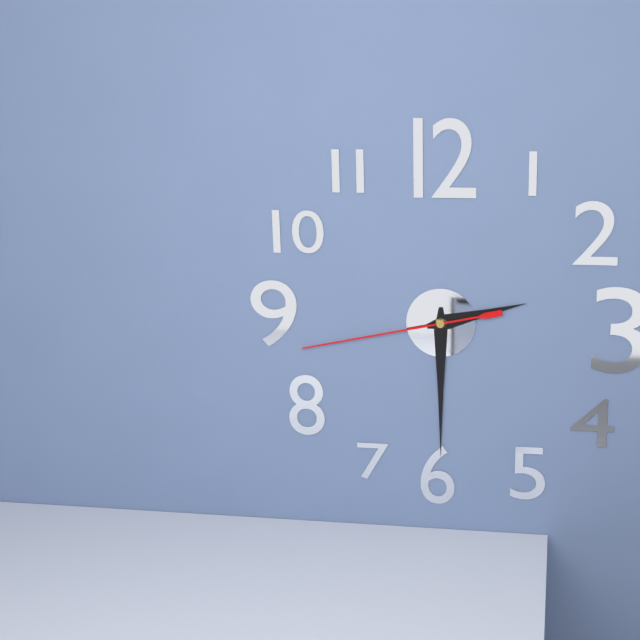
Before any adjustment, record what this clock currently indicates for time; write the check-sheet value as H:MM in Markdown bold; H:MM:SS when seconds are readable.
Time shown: **2:30:43**
